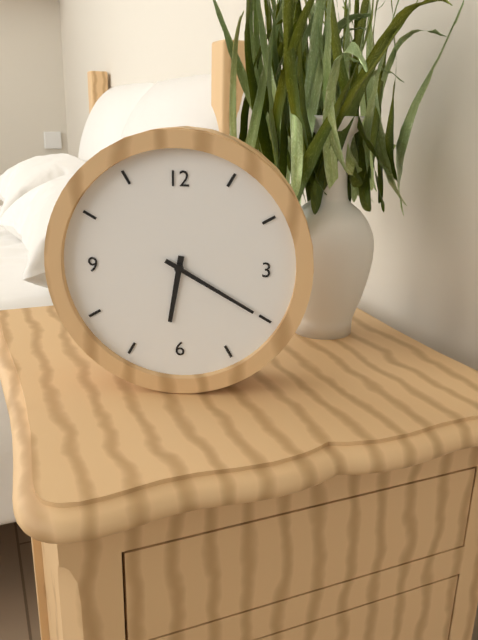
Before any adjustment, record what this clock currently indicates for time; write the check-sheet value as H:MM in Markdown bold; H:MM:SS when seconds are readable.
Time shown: **6:20**
